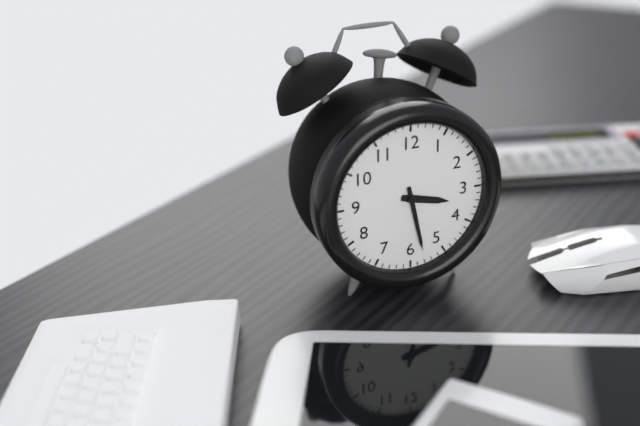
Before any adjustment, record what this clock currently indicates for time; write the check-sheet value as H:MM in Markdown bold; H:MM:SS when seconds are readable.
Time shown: **3:28**
